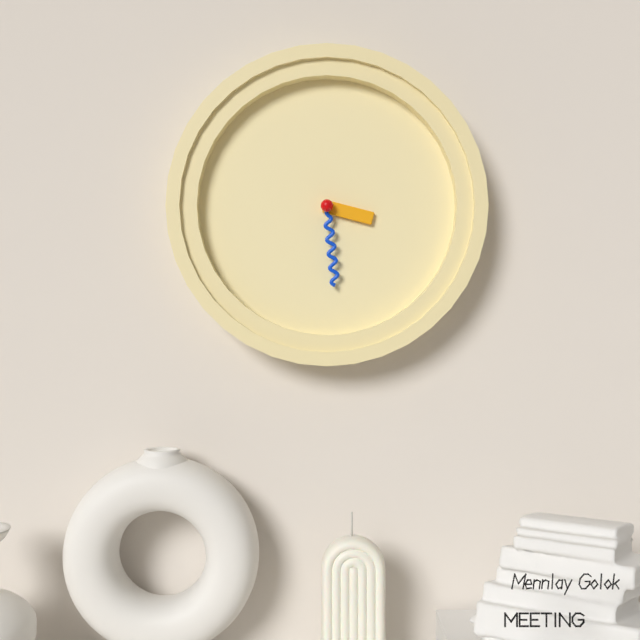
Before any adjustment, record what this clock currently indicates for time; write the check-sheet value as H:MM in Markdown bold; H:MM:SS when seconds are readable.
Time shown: **3:29**
